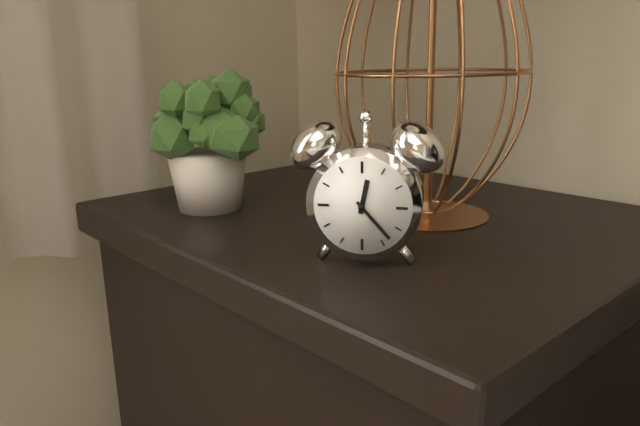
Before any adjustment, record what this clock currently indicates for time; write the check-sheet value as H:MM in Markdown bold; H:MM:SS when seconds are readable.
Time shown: **12:23**
